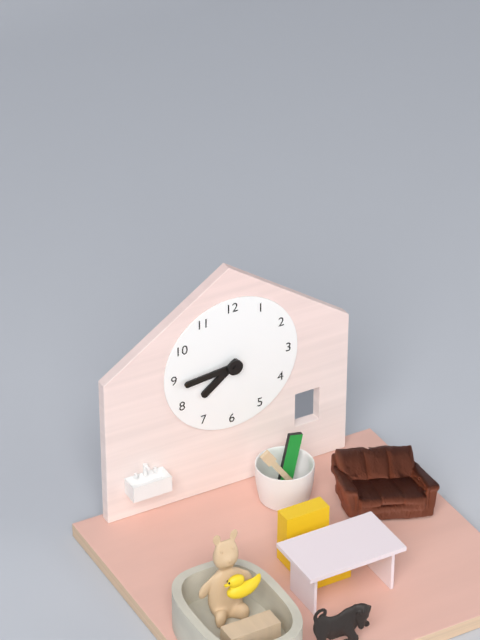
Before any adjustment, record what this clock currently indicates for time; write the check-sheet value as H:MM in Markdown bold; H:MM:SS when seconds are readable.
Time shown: **7:44**
